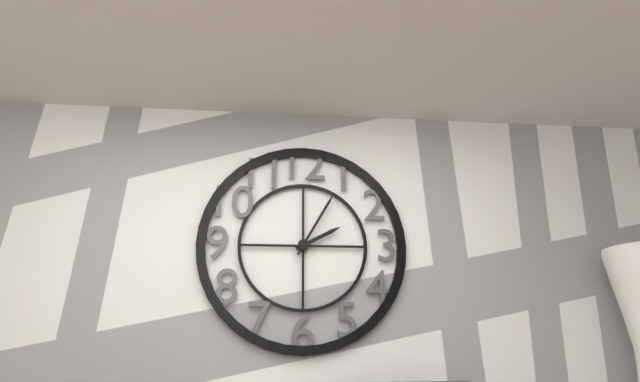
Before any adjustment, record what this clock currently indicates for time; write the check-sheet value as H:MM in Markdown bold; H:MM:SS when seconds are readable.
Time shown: **2:05**
